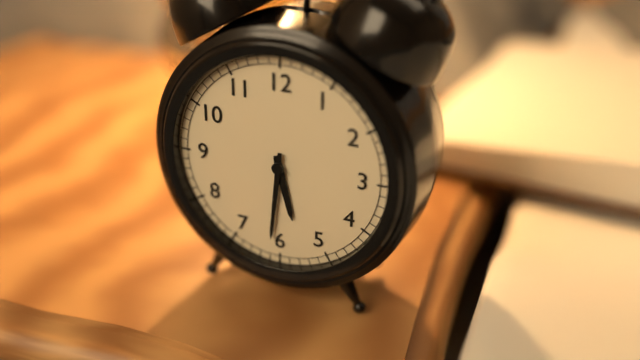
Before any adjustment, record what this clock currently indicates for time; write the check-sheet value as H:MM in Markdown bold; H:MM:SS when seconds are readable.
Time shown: **5:31**
